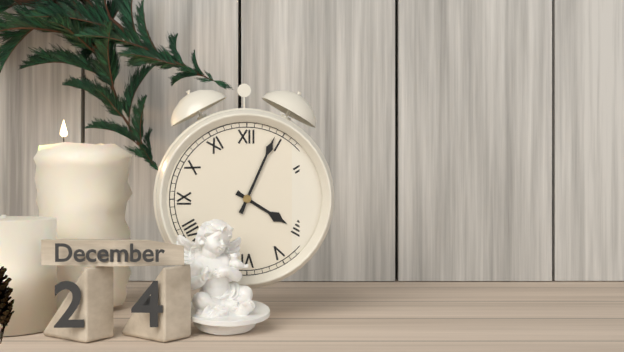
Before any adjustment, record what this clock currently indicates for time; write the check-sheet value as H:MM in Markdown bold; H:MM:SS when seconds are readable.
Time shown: **4:04**
